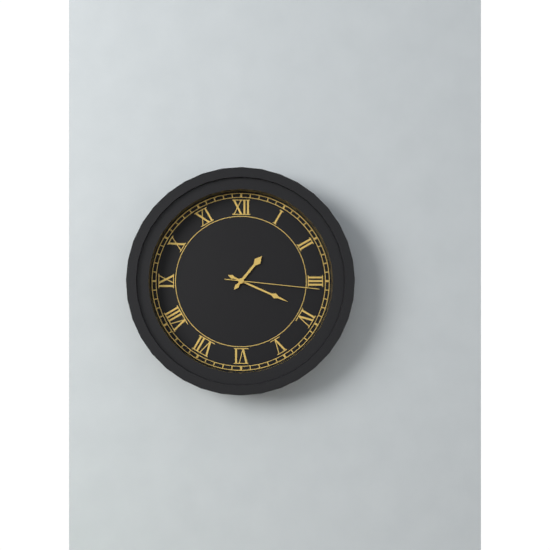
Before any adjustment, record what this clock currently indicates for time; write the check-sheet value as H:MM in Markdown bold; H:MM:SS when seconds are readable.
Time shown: **1:19:16**
